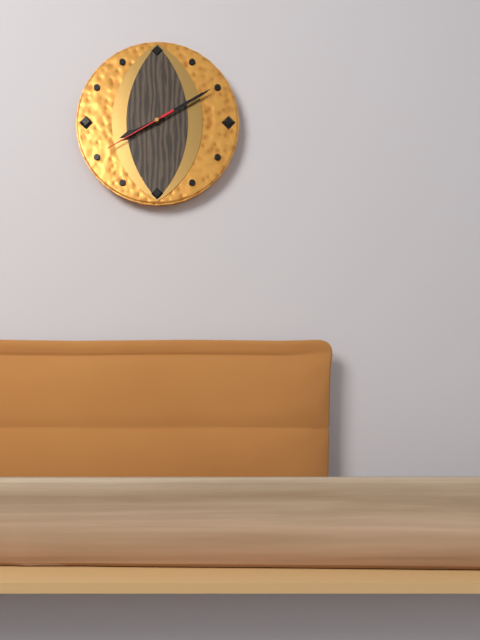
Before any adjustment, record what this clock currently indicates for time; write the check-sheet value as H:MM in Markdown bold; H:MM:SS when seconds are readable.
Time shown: **8:10:40**
